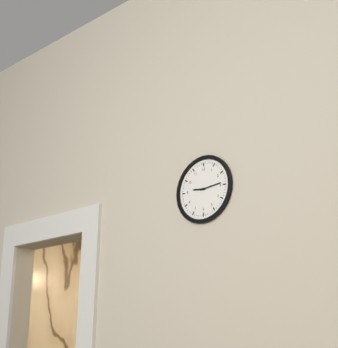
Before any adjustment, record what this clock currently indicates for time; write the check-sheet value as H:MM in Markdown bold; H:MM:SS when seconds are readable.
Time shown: **9:14**
